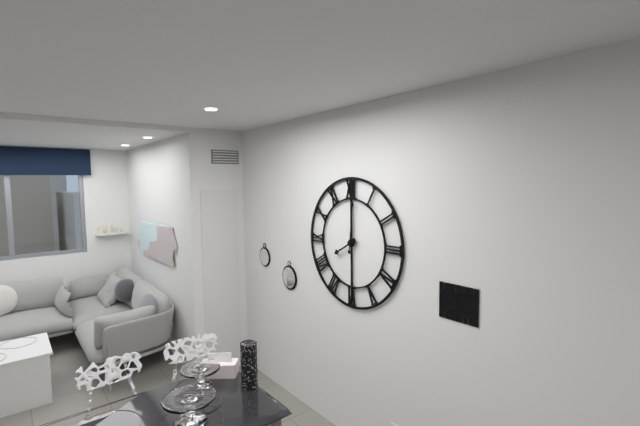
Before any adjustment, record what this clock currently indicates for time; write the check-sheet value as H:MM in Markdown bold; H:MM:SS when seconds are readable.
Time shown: **8:01**
